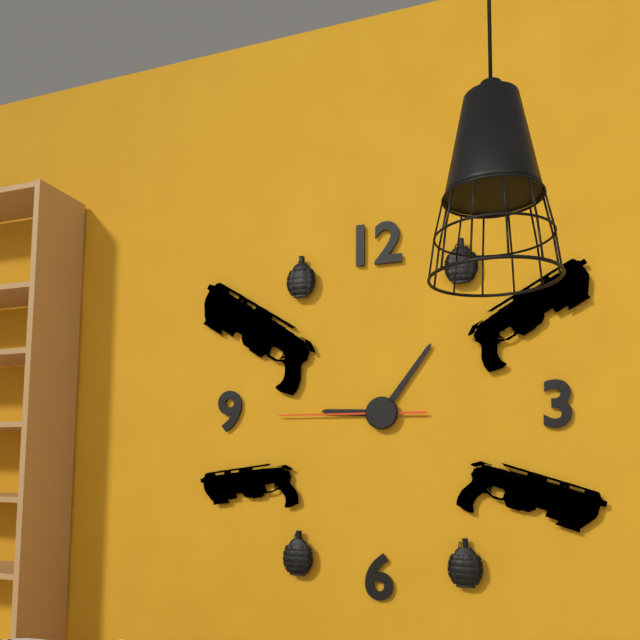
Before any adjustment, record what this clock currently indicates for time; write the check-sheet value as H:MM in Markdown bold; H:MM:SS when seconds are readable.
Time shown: **9:06:45**
